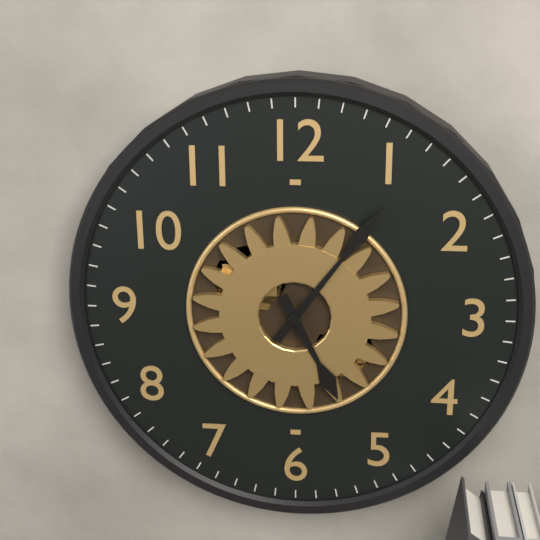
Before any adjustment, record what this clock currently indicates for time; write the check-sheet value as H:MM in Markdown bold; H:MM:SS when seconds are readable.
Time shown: **5:06**
